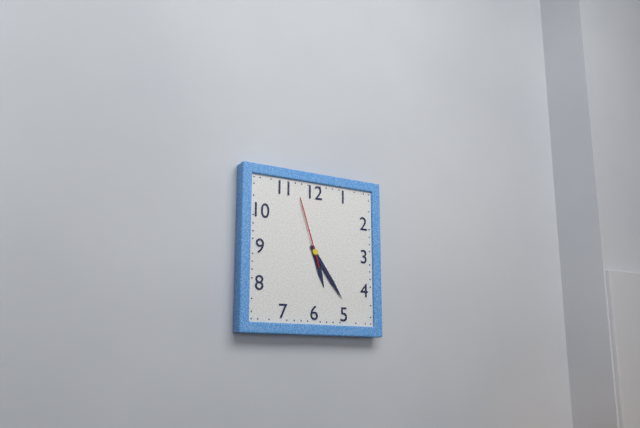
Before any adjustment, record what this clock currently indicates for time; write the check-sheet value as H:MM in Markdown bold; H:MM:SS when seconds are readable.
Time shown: **5:24:57**
